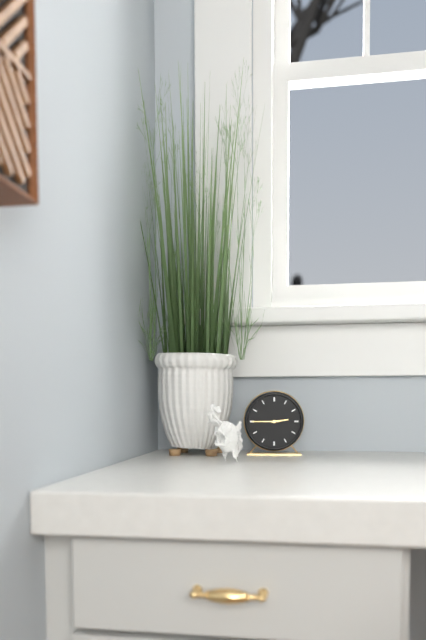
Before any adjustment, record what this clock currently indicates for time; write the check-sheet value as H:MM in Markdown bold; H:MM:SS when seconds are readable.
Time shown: **2:45**
